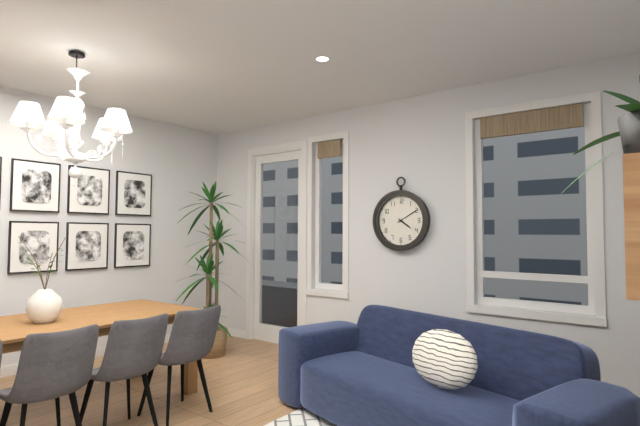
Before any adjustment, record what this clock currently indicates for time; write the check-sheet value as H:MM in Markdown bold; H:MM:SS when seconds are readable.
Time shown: **4:10**
